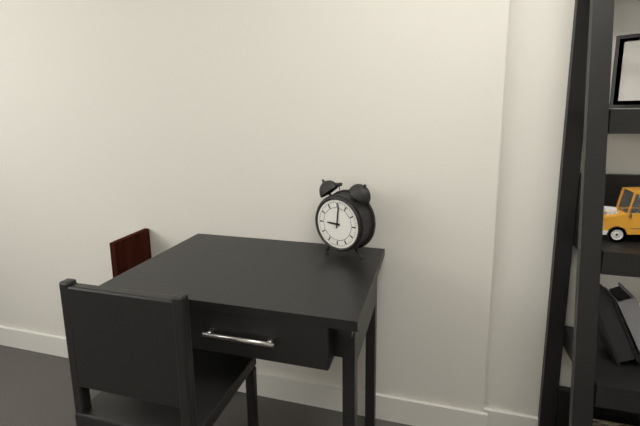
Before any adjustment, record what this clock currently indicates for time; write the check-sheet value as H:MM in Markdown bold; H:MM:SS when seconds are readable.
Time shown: **9:01**
